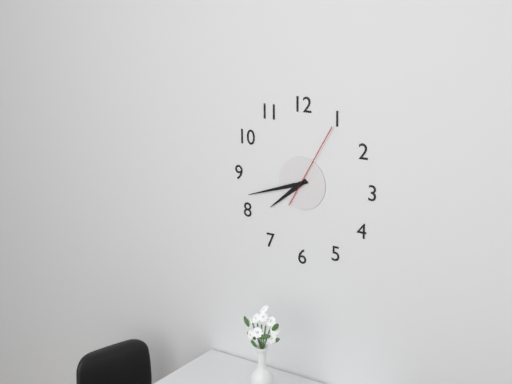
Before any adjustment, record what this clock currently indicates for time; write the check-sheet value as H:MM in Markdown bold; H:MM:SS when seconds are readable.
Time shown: **7:42:05**
